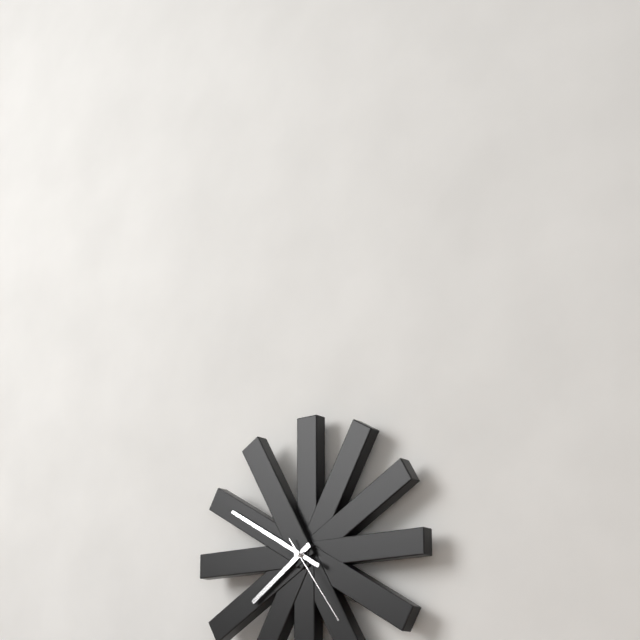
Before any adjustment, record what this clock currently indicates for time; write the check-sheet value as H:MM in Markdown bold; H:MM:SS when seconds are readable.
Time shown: **7:50:24**
